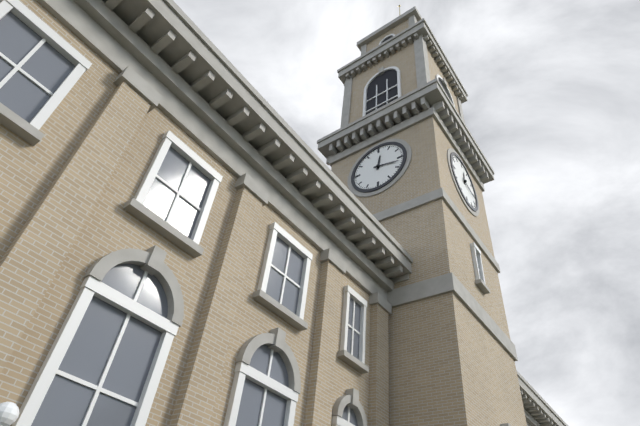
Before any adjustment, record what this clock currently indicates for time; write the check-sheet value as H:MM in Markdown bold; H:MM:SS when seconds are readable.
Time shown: **12:17**
